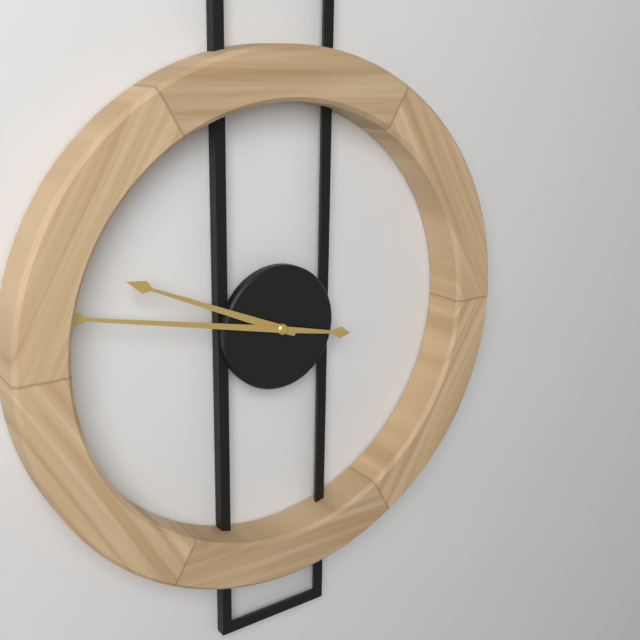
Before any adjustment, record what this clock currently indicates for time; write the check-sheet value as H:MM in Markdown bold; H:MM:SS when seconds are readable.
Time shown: **9:47**
